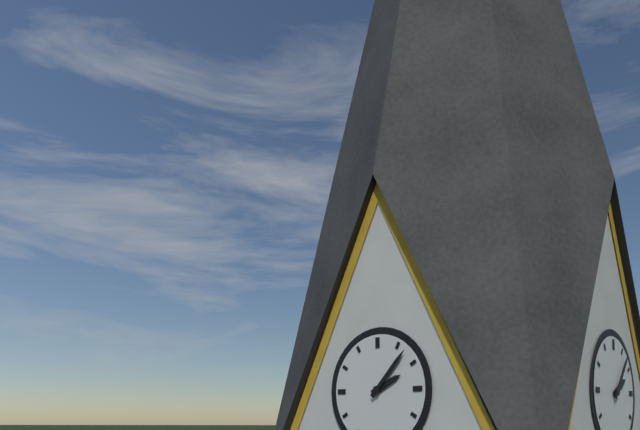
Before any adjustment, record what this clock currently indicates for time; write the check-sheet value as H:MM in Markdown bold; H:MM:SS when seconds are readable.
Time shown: **2:07**
